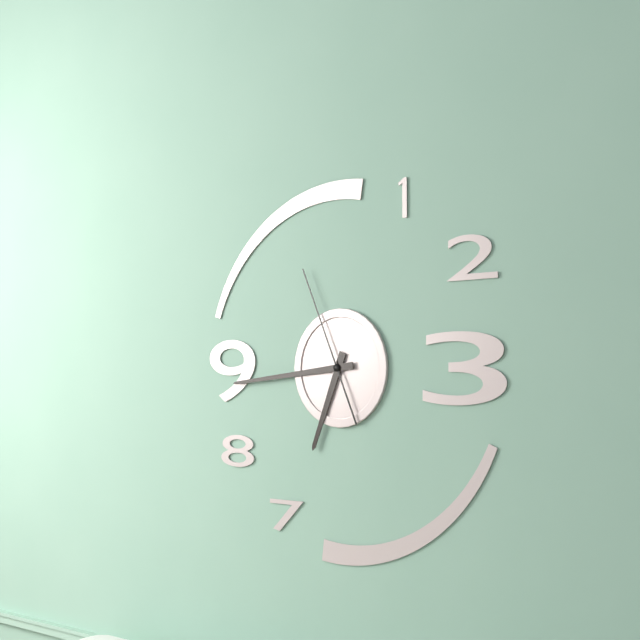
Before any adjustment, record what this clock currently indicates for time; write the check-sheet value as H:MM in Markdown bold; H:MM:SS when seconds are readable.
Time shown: **6:44:56**
